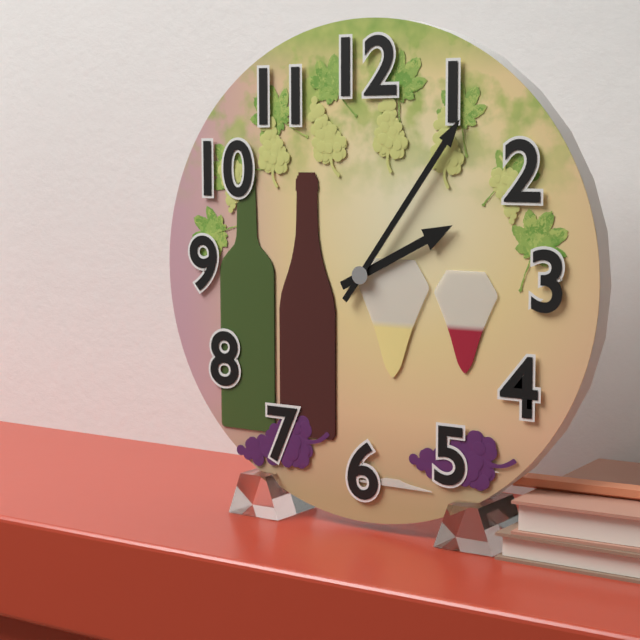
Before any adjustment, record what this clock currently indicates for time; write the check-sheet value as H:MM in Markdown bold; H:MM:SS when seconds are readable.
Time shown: **2:06**
